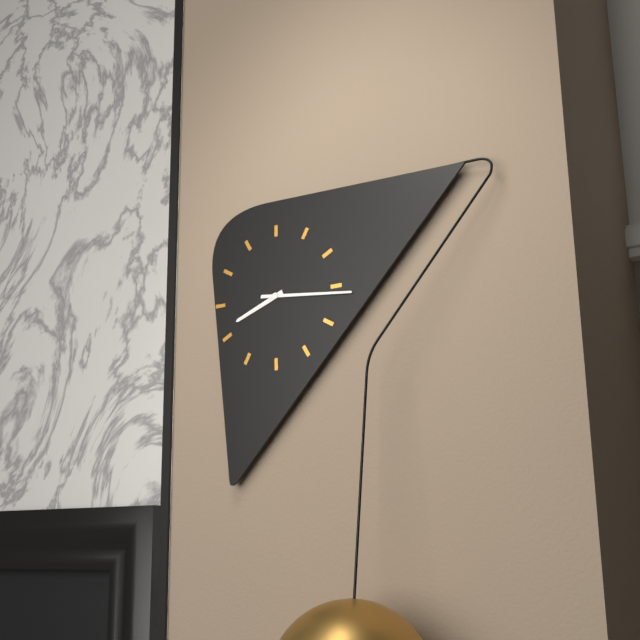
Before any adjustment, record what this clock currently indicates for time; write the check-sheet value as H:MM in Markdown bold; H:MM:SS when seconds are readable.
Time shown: **8:16**
